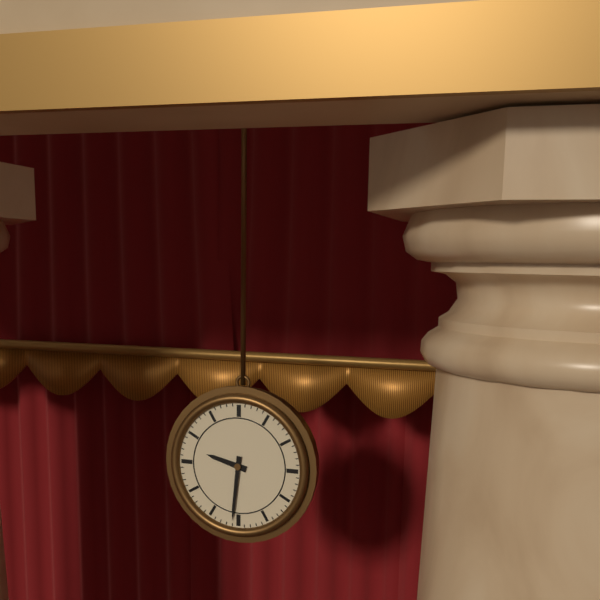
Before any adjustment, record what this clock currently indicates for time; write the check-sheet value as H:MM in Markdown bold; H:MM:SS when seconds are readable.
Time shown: **9:31**
